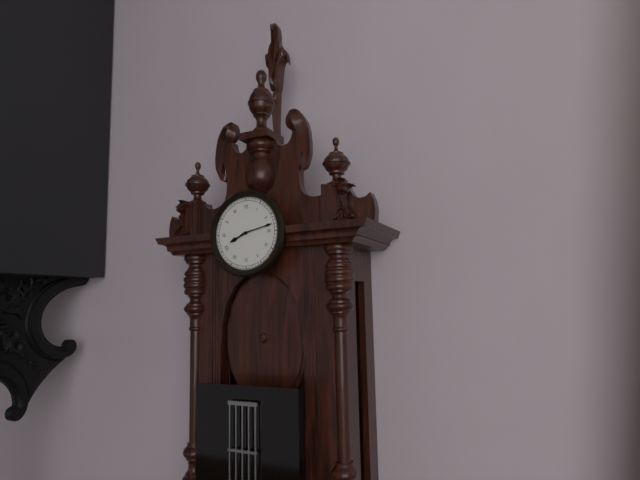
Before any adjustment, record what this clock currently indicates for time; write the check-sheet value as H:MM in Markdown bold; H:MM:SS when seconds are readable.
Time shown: **8:13**
